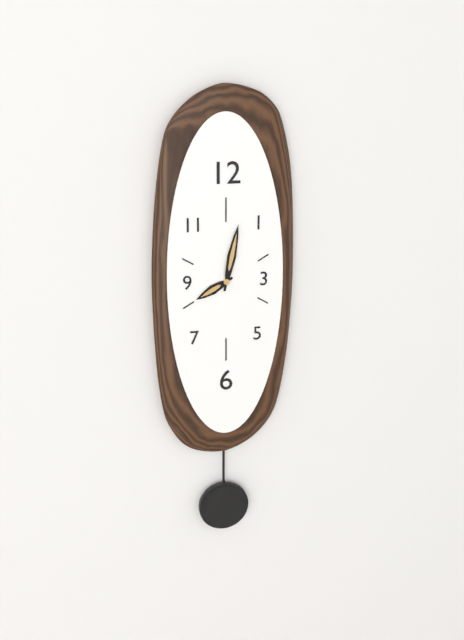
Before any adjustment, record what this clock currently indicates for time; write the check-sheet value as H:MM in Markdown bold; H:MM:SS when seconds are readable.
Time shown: **8:02**
